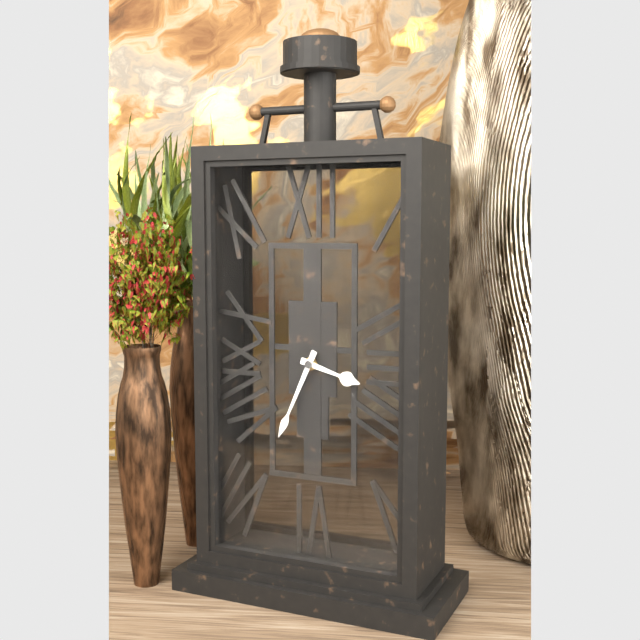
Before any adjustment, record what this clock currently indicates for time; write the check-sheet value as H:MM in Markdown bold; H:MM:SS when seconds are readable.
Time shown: **3:34**
